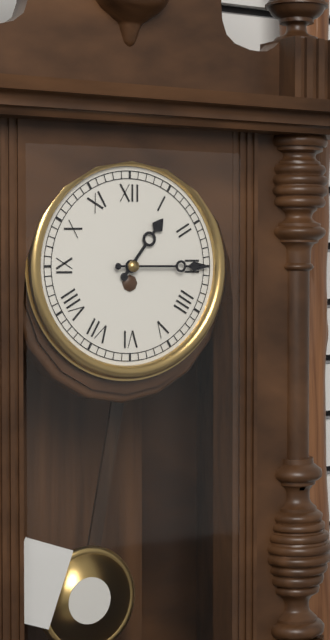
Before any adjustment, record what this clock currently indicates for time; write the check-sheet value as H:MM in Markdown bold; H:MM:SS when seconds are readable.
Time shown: **1:15**
